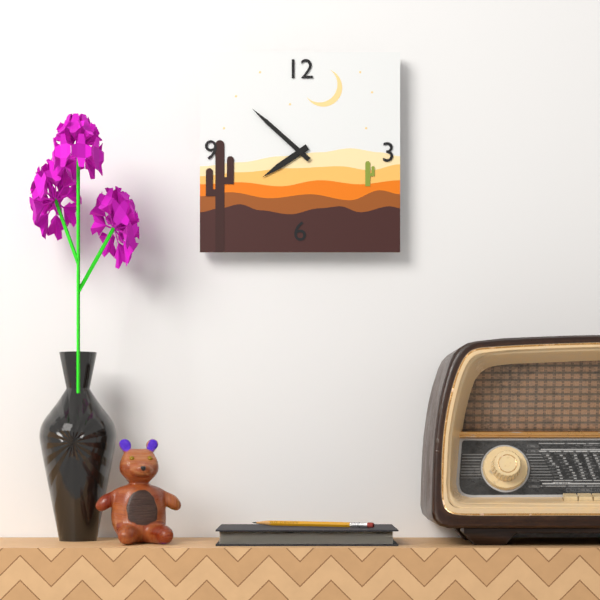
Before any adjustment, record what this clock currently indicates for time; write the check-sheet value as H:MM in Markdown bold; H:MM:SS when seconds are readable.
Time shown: **7:52**
